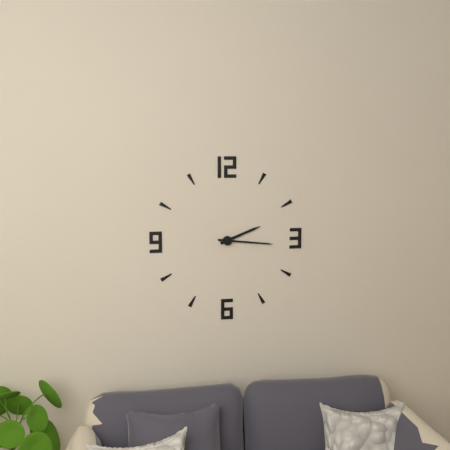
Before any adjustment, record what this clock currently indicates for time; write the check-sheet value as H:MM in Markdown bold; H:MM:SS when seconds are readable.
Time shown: **2:16**
